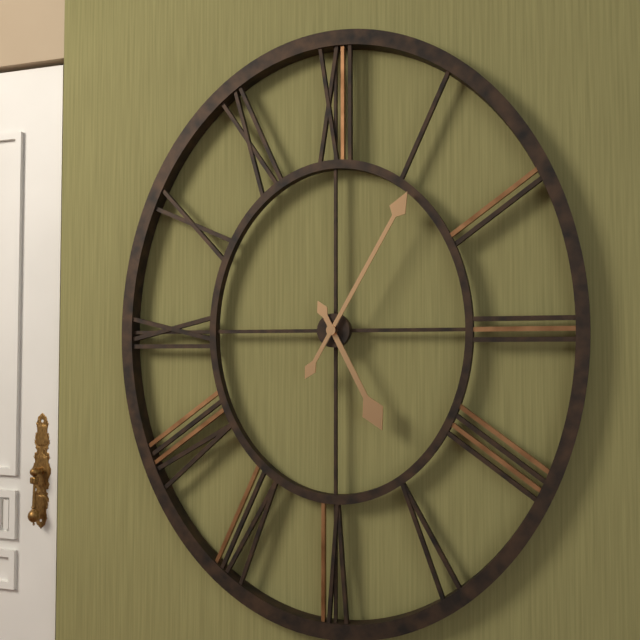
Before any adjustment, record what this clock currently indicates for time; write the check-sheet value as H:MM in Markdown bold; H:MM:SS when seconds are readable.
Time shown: **5:05**
